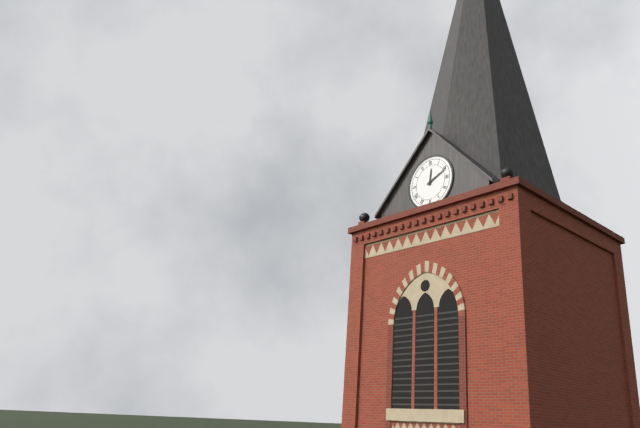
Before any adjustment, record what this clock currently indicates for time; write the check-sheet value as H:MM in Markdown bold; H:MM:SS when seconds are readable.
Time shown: **12:11**
